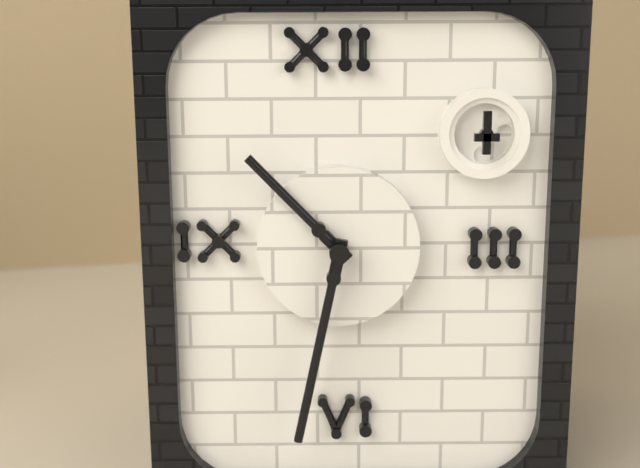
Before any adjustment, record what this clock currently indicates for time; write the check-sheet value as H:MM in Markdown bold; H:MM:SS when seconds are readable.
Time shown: **10:32**
